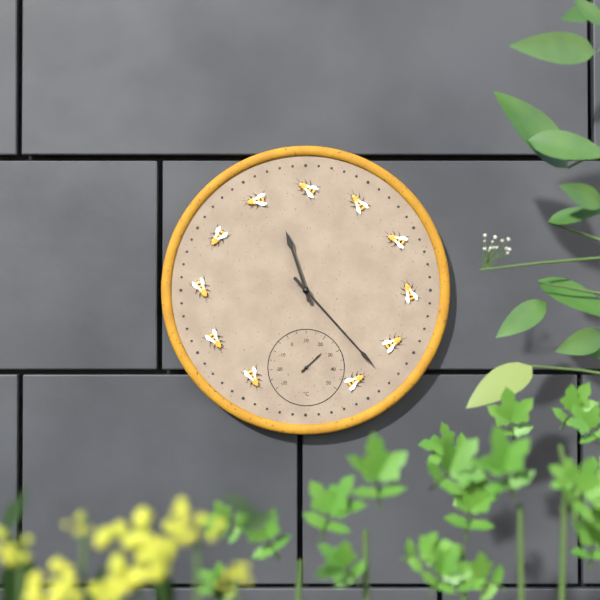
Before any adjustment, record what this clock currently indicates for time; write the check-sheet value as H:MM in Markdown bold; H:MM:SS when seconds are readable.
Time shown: **11:23**
